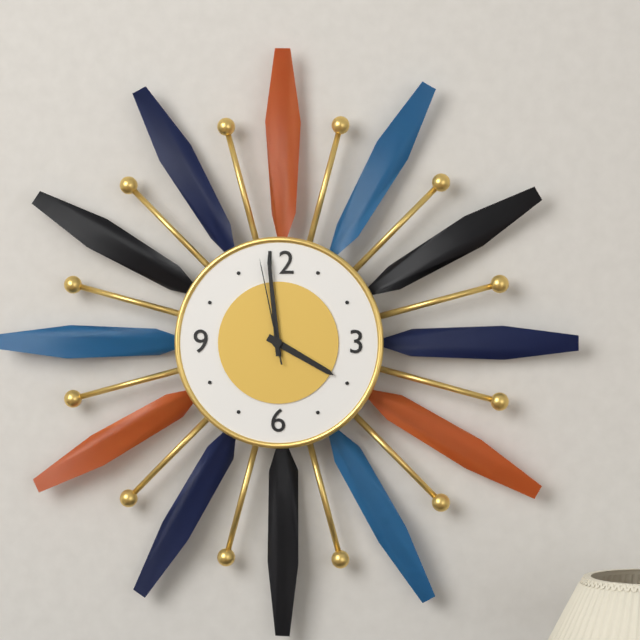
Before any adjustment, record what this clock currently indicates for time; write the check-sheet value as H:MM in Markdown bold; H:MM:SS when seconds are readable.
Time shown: **3:59:58**
